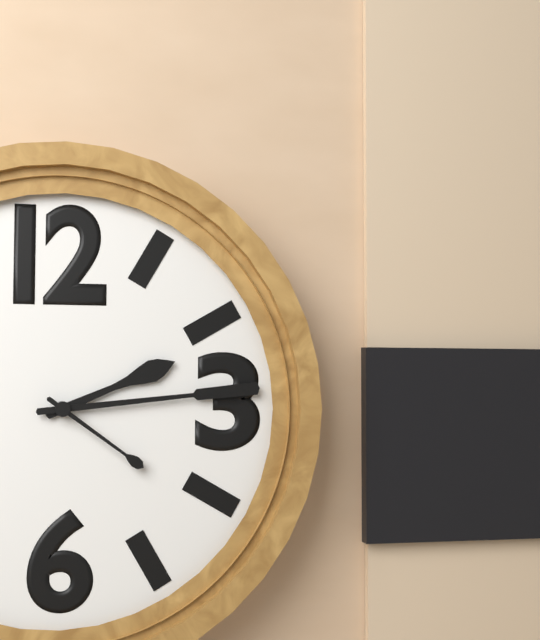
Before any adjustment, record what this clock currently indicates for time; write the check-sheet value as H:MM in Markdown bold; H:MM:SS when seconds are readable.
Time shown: **2:14:21**
